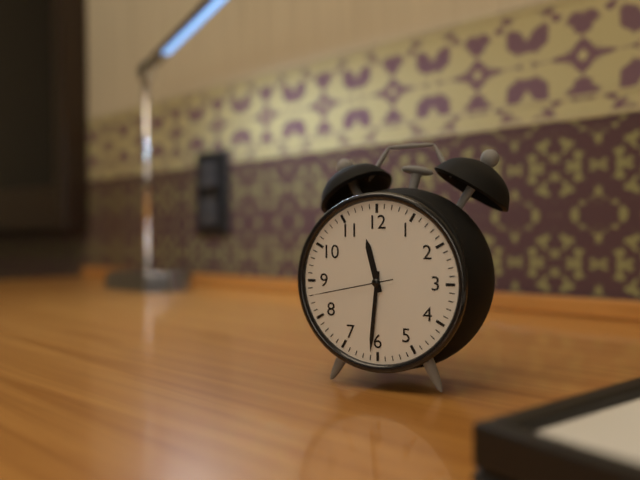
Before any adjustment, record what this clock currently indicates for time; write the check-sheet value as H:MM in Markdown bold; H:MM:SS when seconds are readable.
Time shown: **11:31:43**
